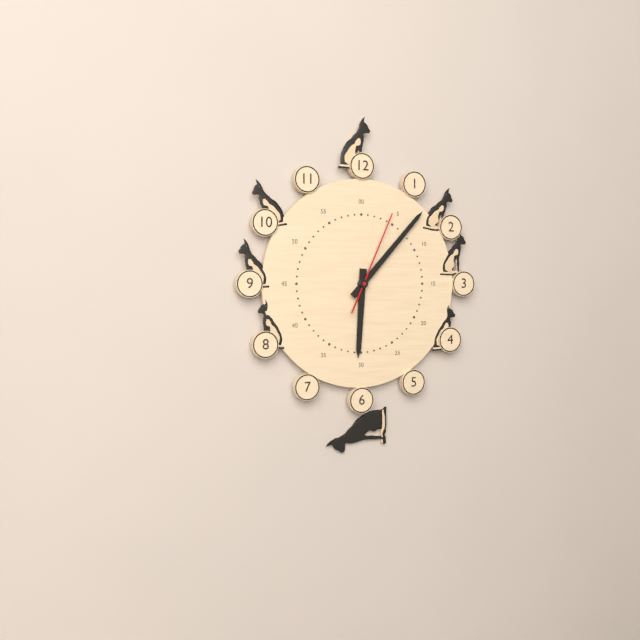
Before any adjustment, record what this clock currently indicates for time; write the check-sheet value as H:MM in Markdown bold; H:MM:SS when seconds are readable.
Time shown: **6:07:04**
